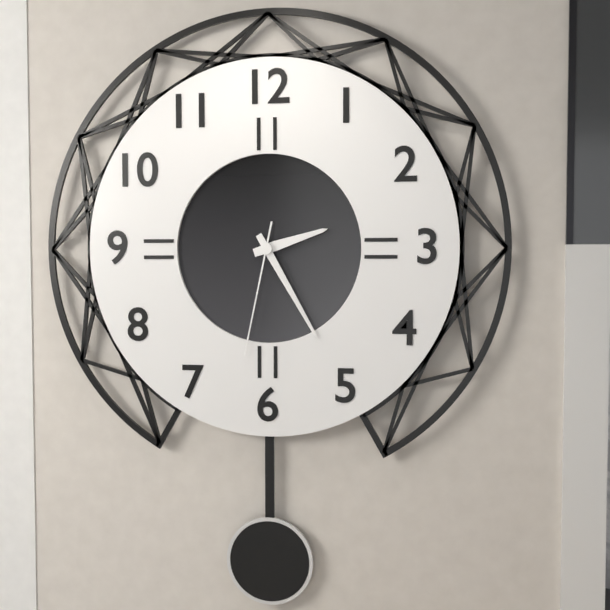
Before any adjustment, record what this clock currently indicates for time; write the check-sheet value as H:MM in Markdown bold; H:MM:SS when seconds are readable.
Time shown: **2:25:32**
